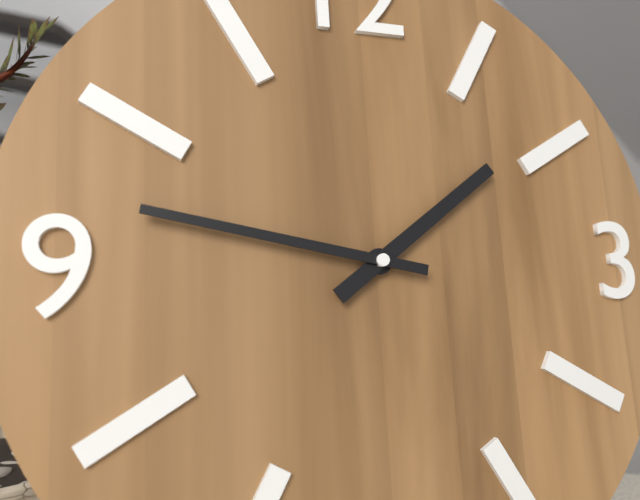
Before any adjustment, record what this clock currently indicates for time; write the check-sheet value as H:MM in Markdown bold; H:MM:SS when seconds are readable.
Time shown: **1:47**
